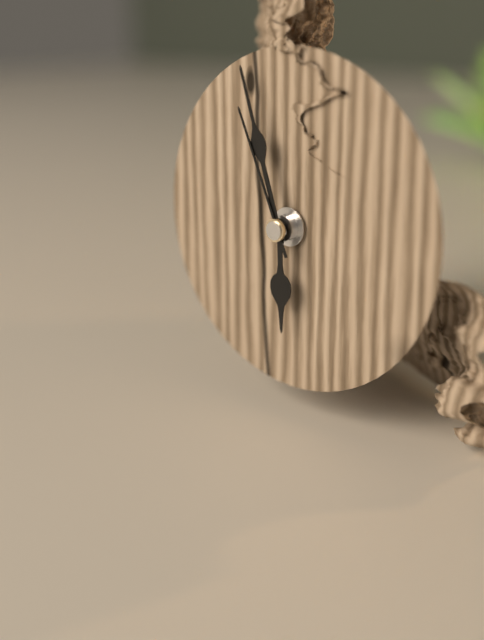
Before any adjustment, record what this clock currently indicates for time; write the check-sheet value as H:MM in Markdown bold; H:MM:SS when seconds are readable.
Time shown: **5:57:56**
